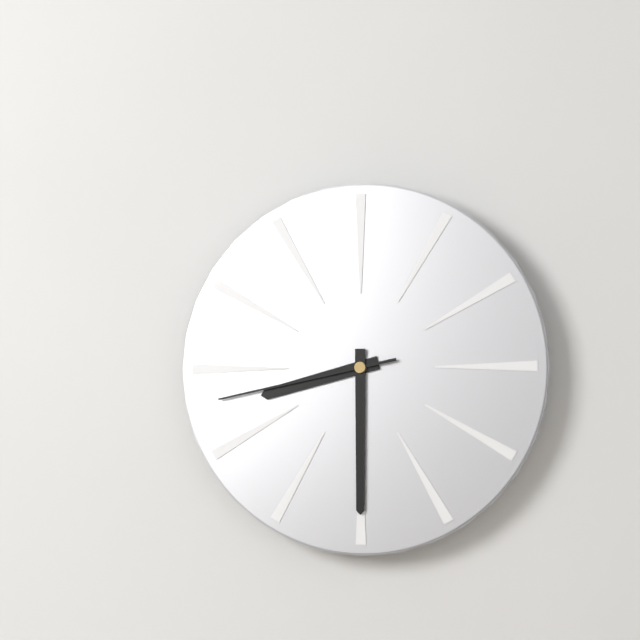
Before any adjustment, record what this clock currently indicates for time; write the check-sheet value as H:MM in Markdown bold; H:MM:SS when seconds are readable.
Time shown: **8:30:43**
